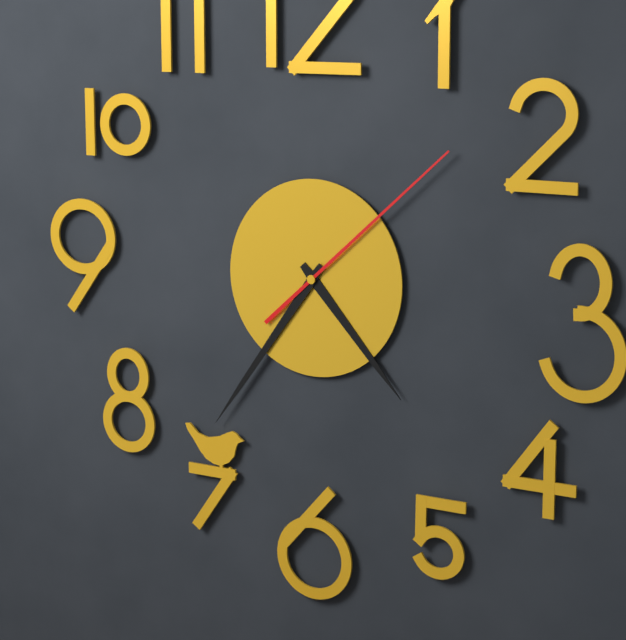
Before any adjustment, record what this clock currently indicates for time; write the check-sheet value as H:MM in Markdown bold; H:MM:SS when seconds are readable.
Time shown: **4:36:08**
